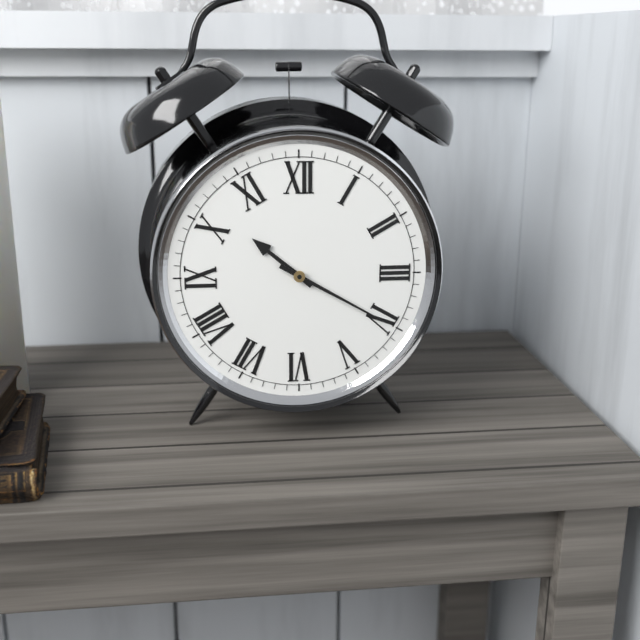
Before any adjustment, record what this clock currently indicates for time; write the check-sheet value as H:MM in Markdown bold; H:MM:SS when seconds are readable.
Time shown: **10:20**
